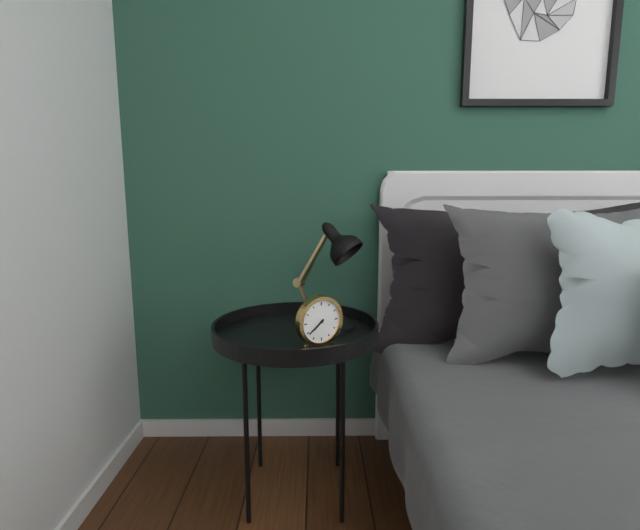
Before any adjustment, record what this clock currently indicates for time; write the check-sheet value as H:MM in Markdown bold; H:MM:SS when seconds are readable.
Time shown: **7:39**
